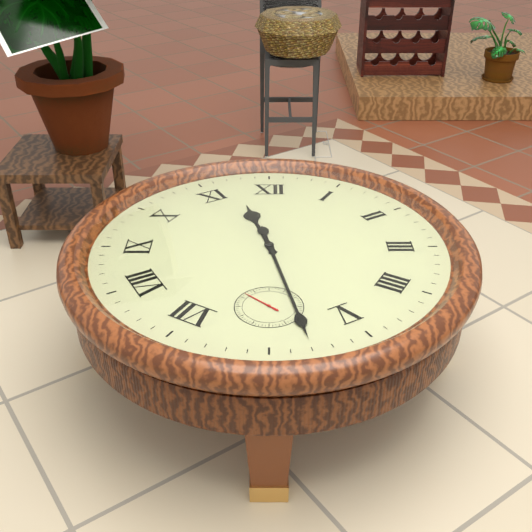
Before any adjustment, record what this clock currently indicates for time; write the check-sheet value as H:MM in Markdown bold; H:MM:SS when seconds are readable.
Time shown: **11:28**
